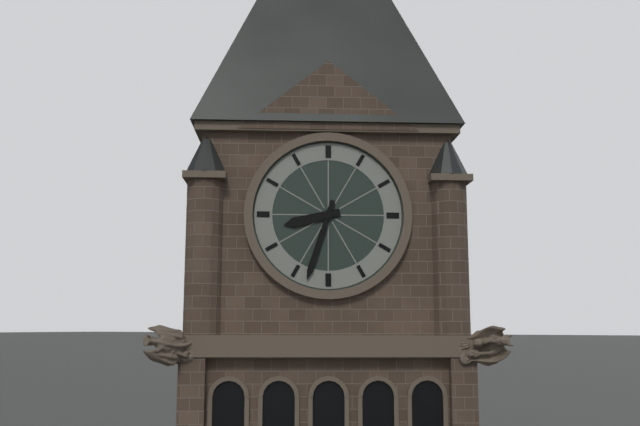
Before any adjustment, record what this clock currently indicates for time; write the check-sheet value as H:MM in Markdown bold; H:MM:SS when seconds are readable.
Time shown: **8:33**
